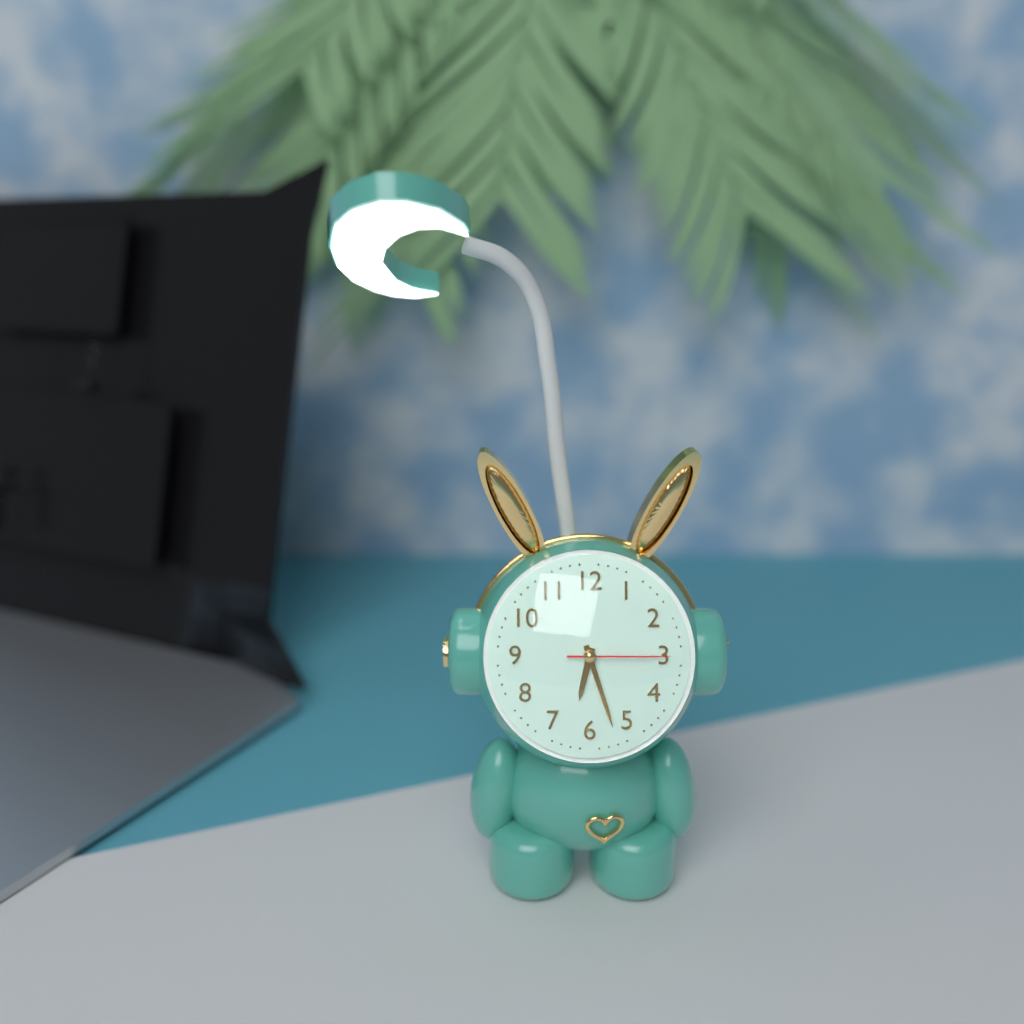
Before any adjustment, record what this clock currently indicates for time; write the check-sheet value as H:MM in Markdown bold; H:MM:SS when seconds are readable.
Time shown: **6:27:15**
